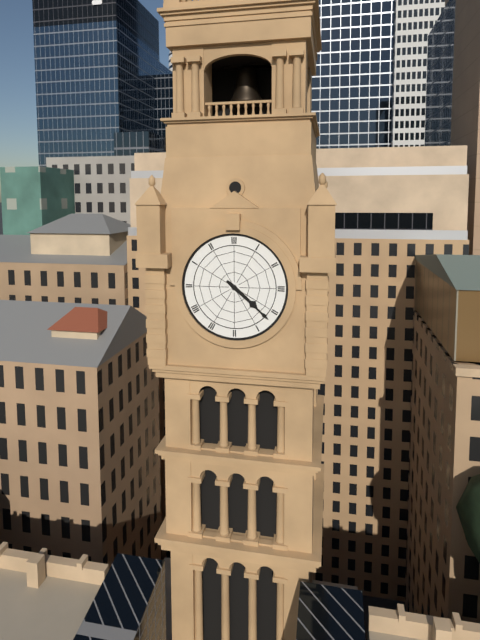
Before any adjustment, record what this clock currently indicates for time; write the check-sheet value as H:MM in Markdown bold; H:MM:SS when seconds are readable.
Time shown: **4:22**
